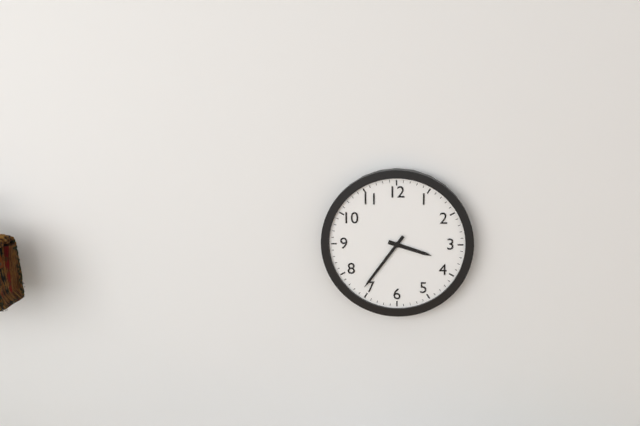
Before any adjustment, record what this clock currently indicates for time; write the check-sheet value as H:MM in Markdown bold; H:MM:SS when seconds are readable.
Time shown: **3:36**
